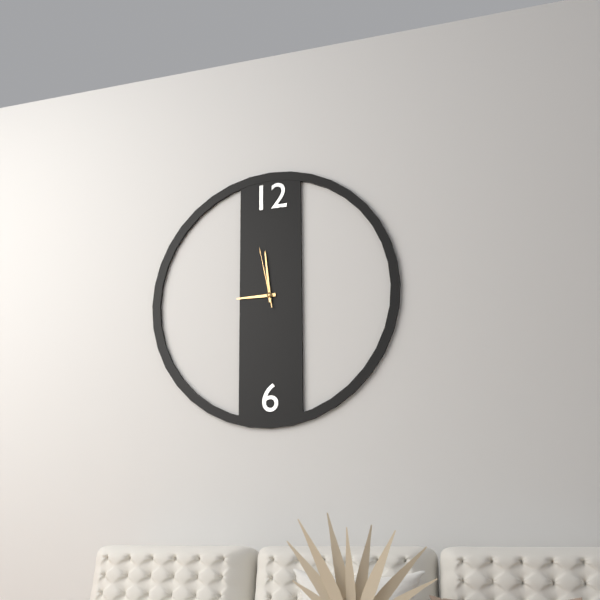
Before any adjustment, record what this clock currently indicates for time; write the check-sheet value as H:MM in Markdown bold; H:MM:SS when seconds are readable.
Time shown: **8:59:58**
